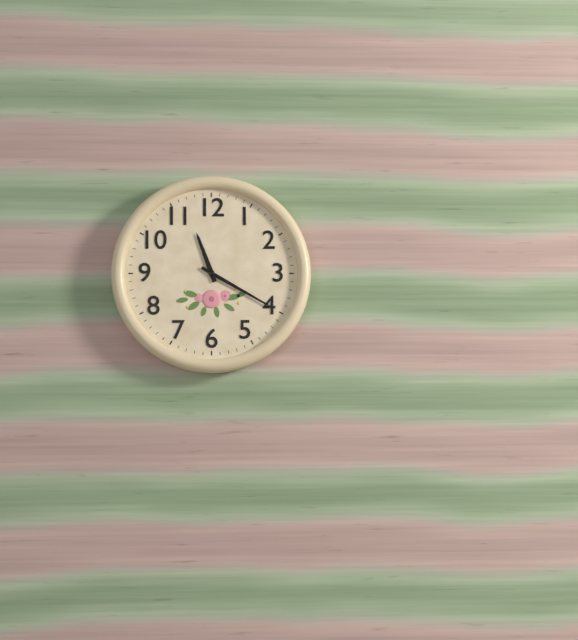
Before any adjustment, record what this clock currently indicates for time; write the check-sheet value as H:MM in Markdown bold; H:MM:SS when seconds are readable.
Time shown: **11:20**
